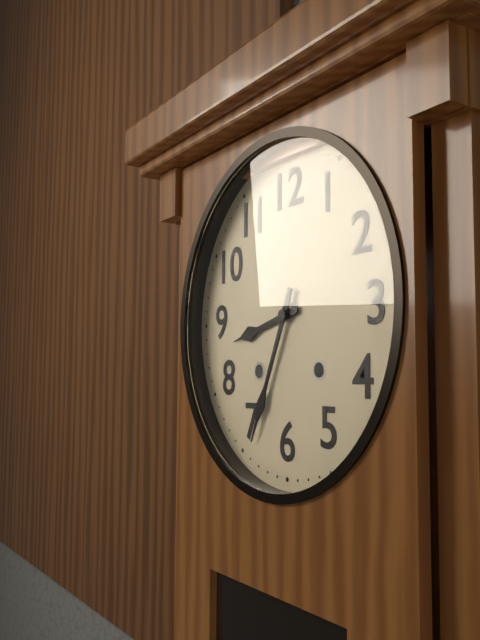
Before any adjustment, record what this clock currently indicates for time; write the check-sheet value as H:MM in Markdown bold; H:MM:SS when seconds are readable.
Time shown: **8:34**
